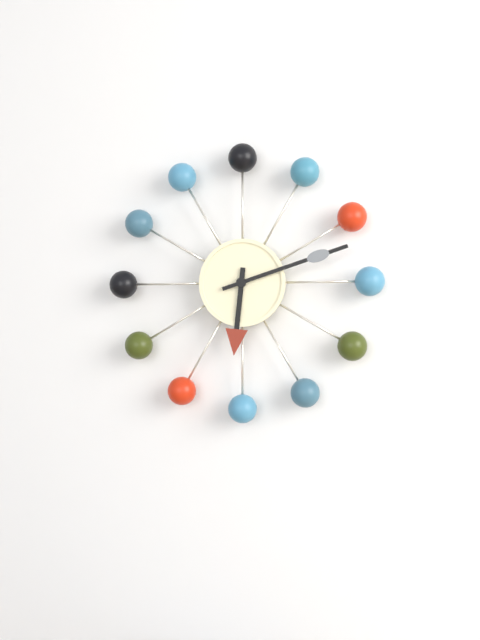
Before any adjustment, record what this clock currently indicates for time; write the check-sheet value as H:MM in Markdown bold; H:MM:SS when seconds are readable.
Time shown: **6:12**
